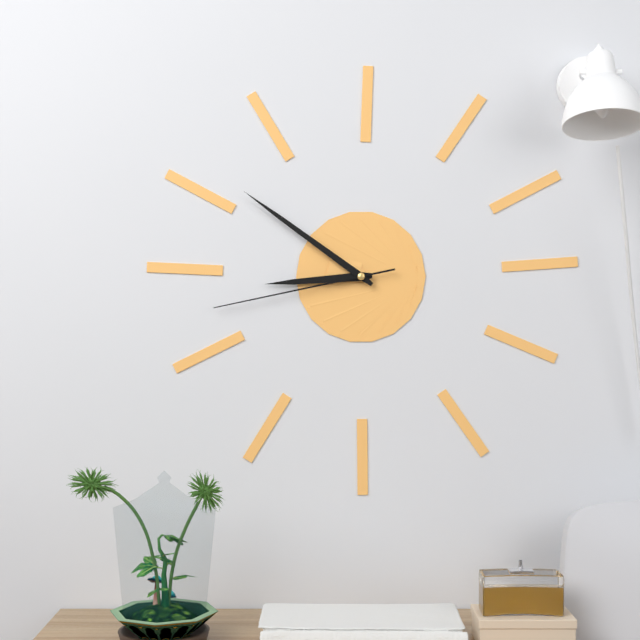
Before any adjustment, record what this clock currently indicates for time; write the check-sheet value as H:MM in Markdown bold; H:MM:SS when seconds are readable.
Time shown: **8:51:43**
